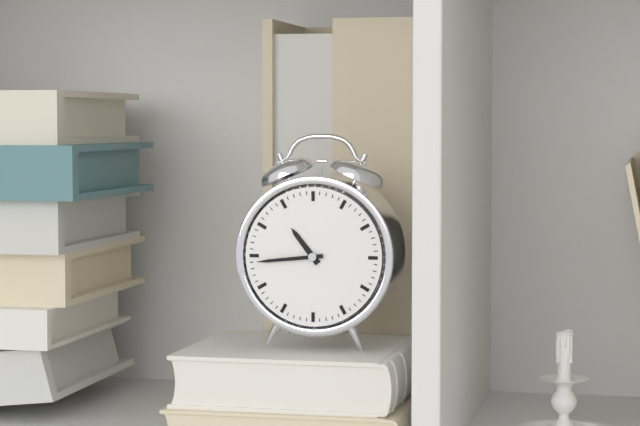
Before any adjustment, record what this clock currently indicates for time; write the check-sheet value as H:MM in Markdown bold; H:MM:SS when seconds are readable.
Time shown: **10:44**
